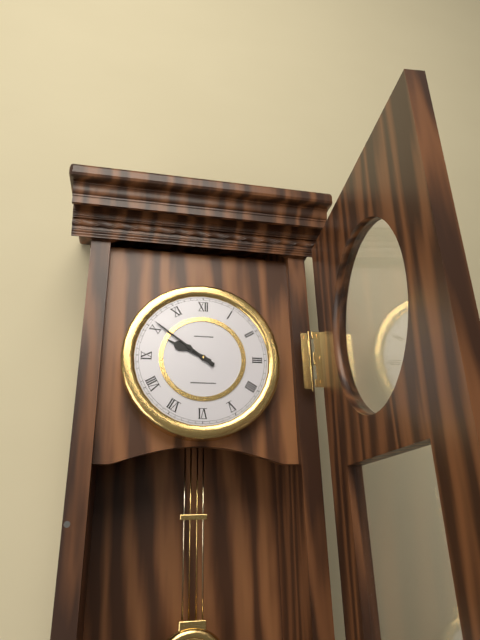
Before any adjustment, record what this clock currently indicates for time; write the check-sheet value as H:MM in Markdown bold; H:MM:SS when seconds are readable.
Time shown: **9:51**
